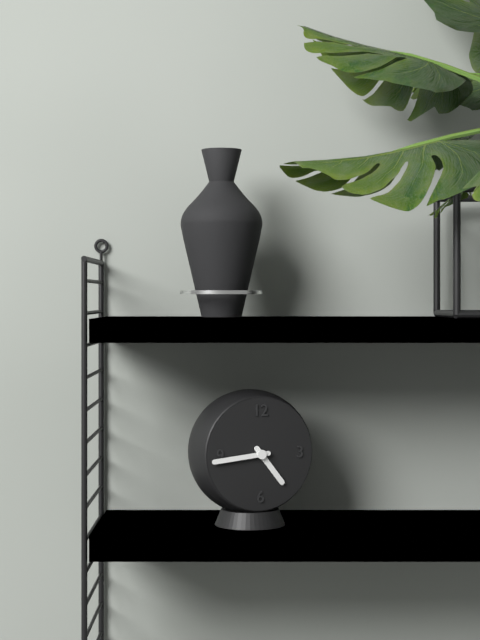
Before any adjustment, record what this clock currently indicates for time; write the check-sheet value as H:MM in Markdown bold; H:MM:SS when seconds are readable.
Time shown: **4:44**
